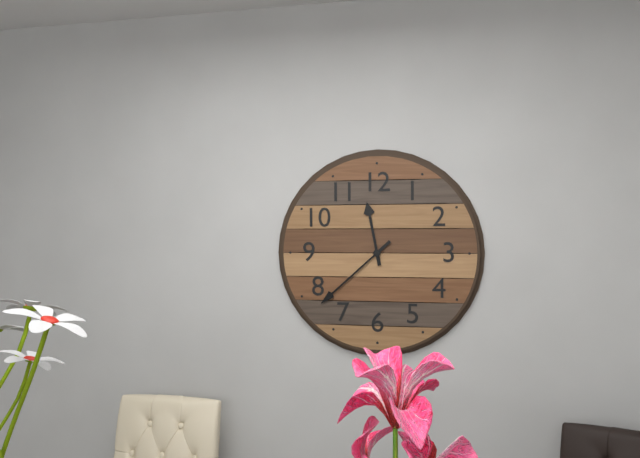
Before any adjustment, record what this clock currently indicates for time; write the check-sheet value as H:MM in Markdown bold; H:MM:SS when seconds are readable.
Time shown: **11:38**
